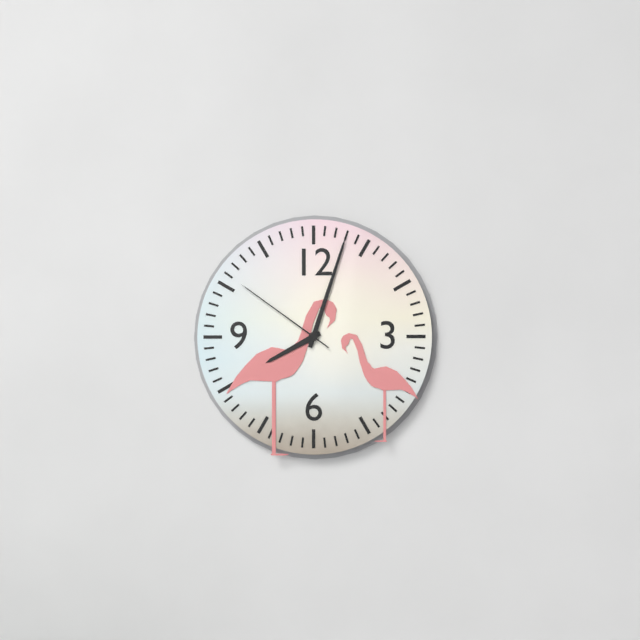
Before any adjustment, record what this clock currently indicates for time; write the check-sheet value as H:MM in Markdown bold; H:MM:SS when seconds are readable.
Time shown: **8:03:51**
